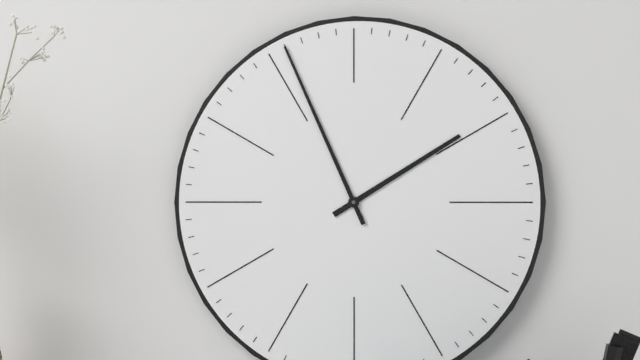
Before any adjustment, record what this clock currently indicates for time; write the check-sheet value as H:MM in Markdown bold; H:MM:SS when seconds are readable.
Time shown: **1:56**
